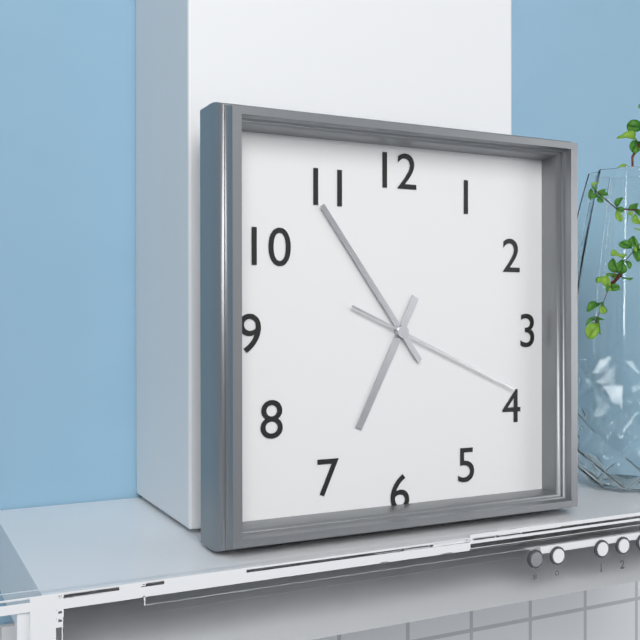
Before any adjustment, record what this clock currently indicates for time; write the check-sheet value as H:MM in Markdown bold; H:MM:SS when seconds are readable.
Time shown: **6:54:19**
